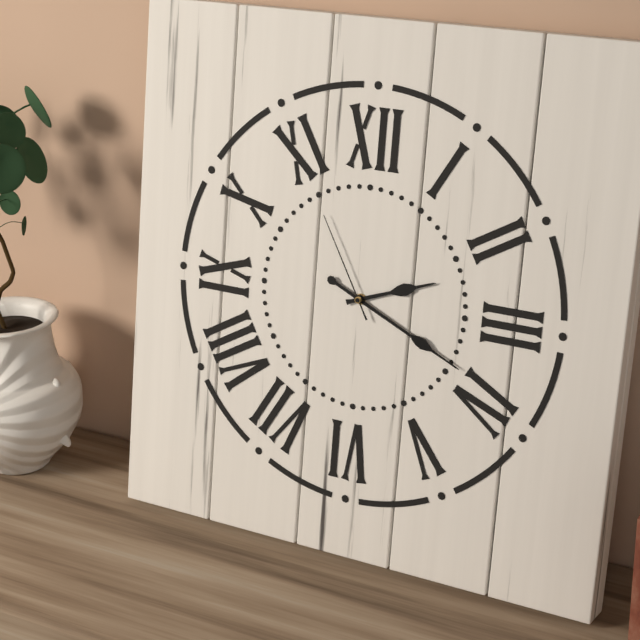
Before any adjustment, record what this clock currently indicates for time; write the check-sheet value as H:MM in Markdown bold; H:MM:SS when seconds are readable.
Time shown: **2:19:55**
